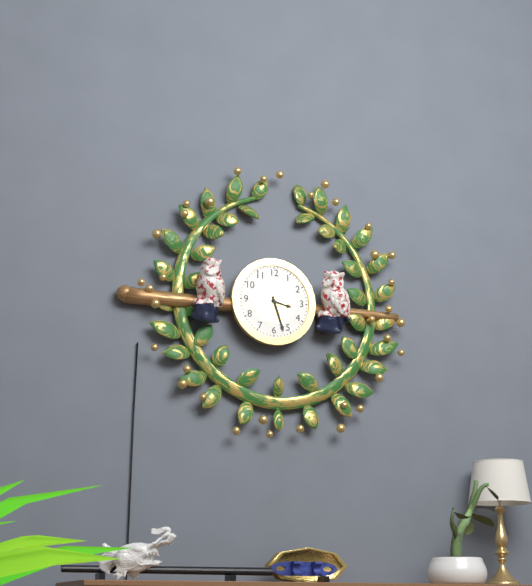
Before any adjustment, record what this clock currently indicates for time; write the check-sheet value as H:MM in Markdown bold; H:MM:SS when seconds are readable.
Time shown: **3:27**
